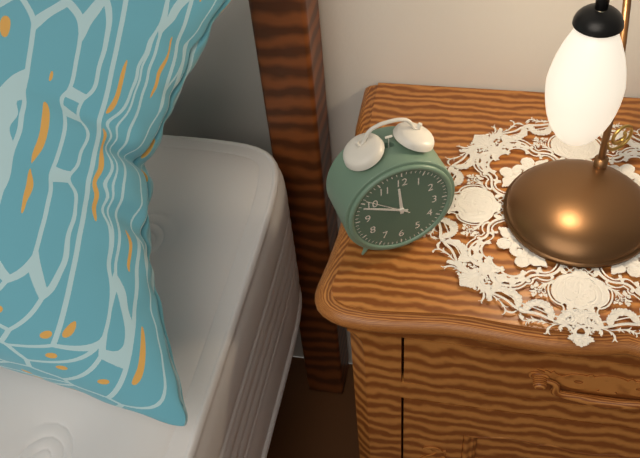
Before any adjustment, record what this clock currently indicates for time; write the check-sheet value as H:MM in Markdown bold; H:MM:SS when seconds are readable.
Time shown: **11:49**
